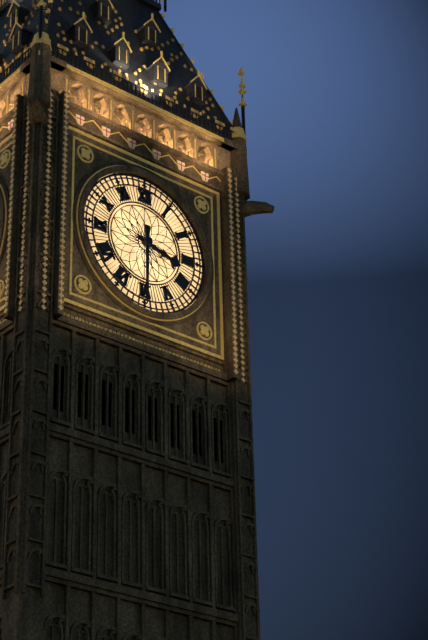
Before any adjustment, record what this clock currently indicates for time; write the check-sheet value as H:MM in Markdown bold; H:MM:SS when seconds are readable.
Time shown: **3:30**
